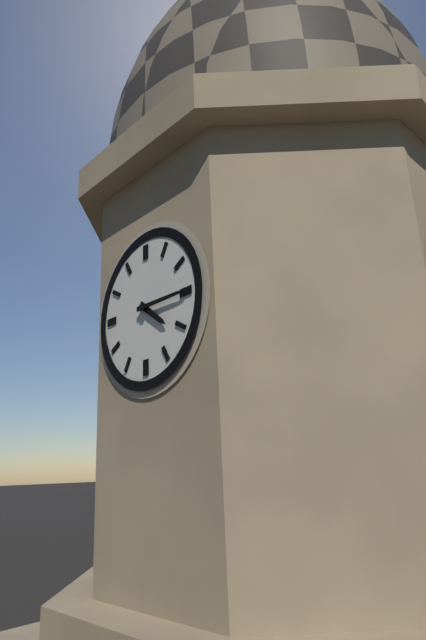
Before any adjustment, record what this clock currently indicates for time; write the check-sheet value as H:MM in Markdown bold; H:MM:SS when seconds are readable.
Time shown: **4:15**
